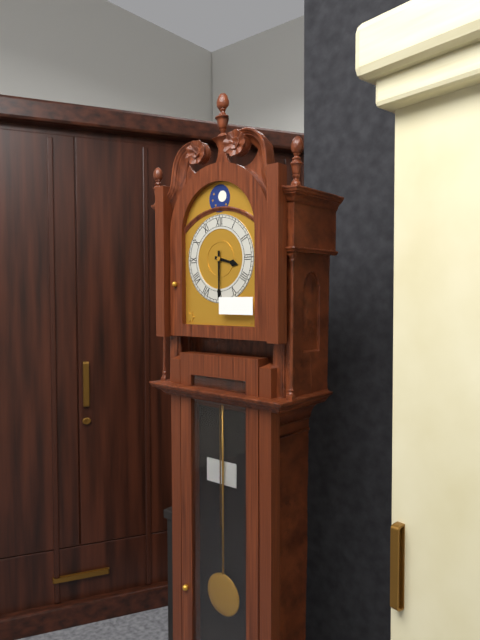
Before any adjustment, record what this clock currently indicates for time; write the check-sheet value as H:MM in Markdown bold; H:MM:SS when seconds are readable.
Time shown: **3:30**
